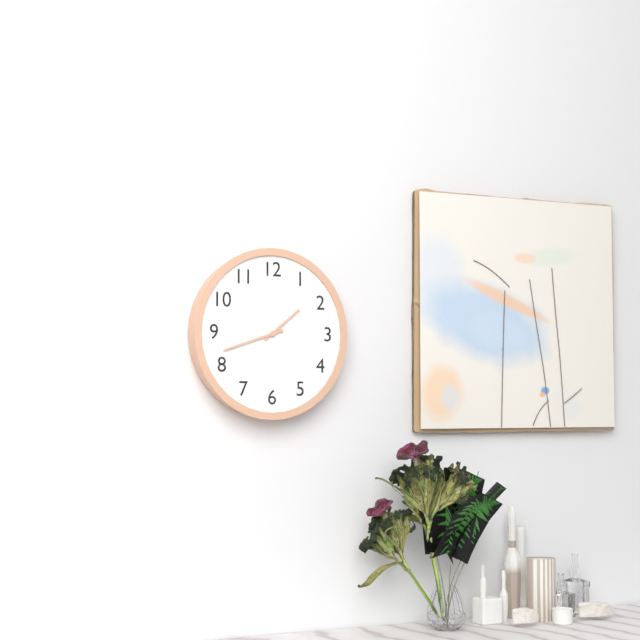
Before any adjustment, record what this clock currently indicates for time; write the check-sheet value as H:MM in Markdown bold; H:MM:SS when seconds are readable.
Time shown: **1:42**
